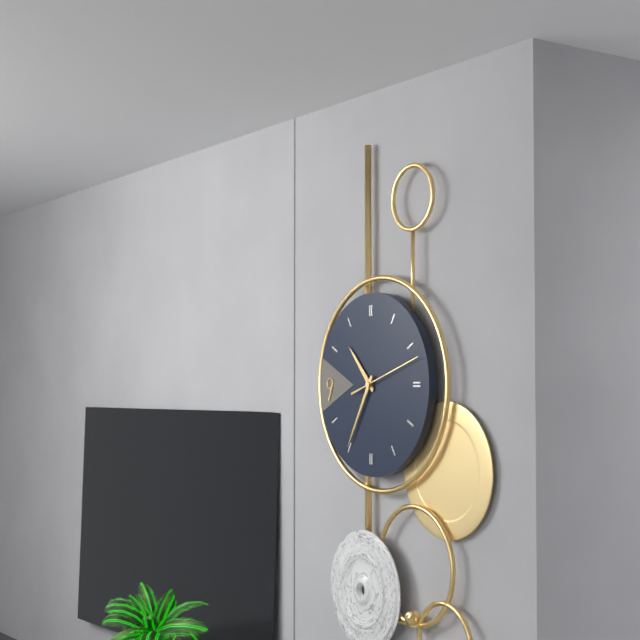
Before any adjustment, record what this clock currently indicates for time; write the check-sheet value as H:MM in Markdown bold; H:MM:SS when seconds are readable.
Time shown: **10:35:12**
